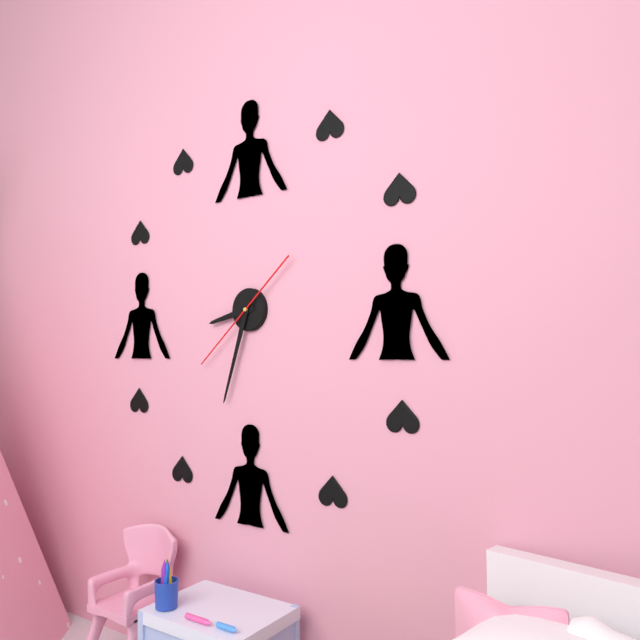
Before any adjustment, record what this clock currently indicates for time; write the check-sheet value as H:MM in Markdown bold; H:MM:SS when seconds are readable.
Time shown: **8:33:38**
